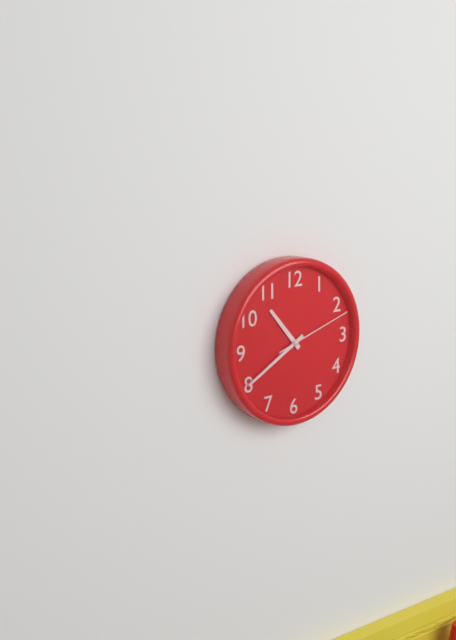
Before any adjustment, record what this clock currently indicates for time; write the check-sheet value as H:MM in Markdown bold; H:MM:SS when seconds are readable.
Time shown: **10:40:12**
